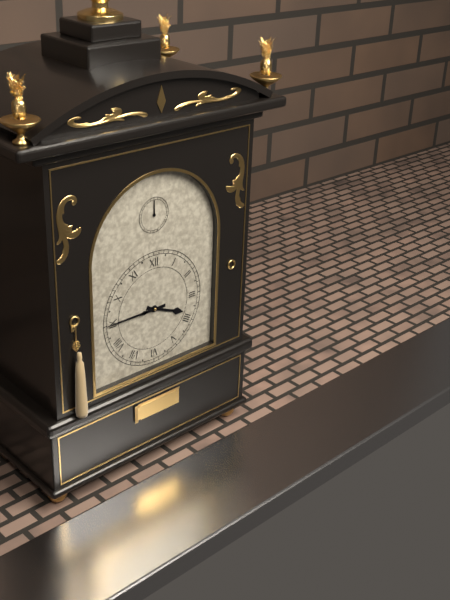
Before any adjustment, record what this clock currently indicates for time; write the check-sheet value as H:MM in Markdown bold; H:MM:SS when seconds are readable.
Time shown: **3:45**
